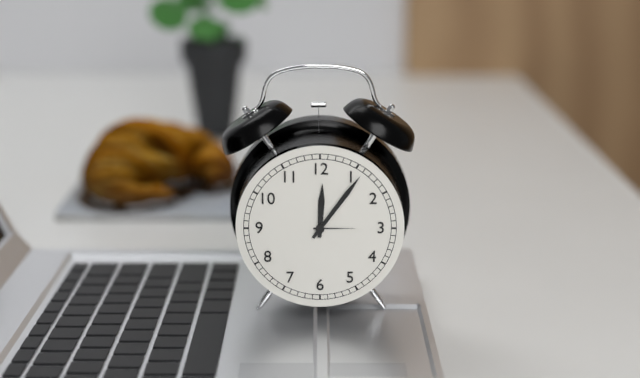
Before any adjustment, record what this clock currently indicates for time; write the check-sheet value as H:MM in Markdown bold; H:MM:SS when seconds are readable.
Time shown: **12:06**
